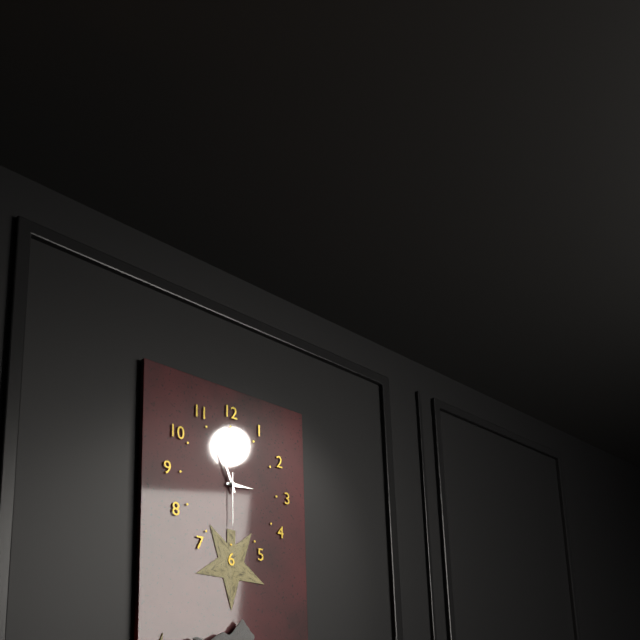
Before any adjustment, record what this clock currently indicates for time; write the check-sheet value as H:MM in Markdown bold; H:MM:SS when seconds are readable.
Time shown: **2:56:30**
